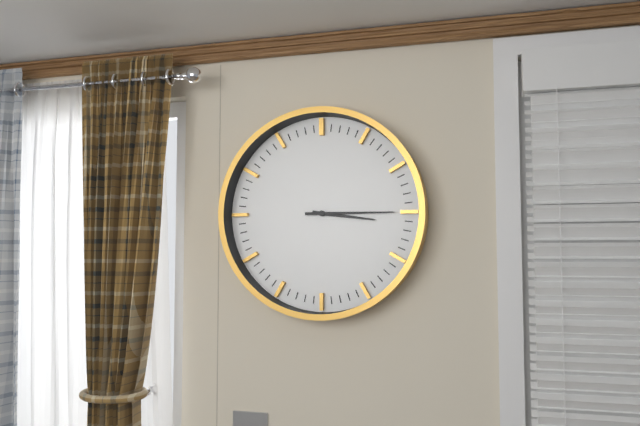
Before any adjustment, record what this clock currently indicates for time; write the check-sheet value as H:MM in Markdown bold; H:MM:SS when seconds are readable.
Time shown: **3:15**
